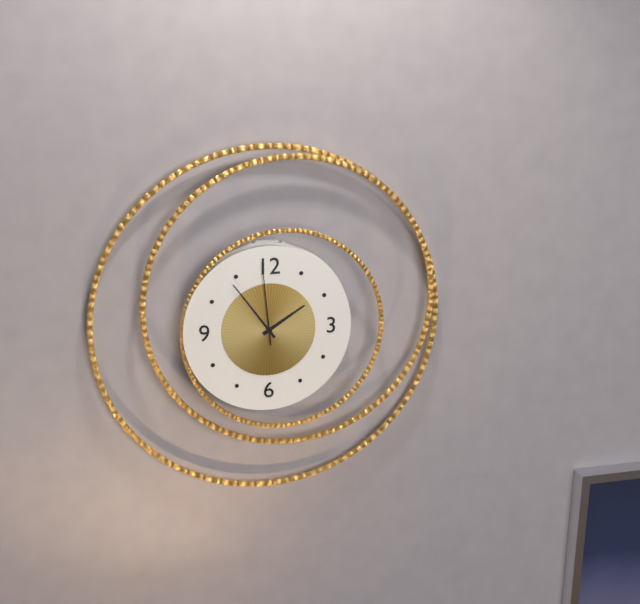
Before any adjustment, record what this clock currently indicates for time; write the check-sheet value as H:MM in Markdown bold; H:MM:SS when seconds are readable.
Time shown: **1:54:59**
